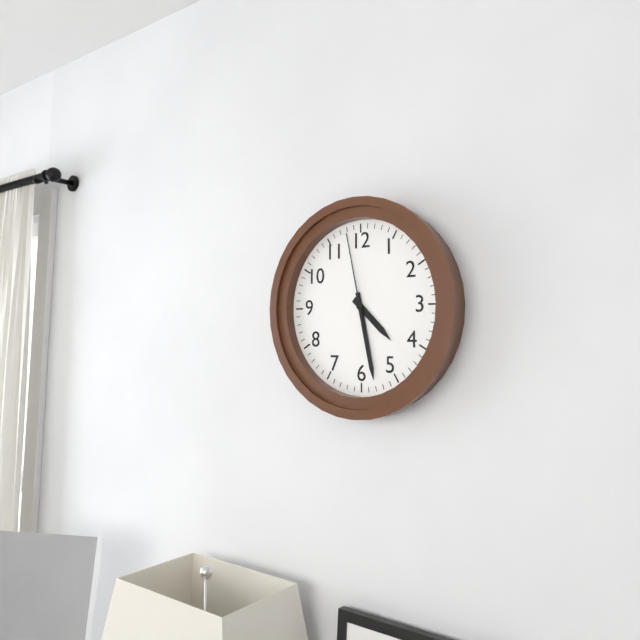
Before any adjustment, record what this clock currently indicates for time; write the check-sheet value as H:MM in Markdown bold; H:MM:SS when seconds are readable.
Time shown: **4:28:58**
